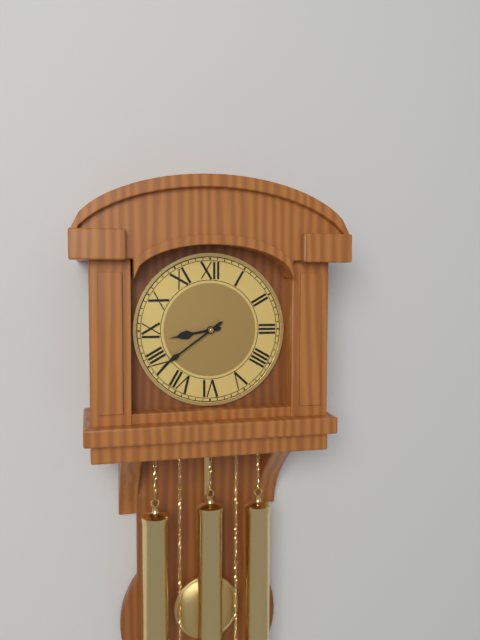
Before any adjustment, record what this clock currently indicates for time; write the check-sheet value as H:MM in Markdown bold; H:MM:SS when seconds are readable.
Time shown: **8:39**
